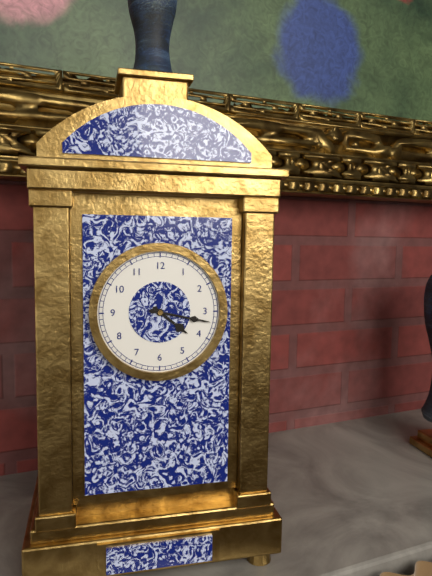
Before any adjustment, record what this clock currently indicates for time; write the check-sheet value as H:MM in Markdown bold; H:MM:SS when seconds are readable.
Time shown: **4:17**
